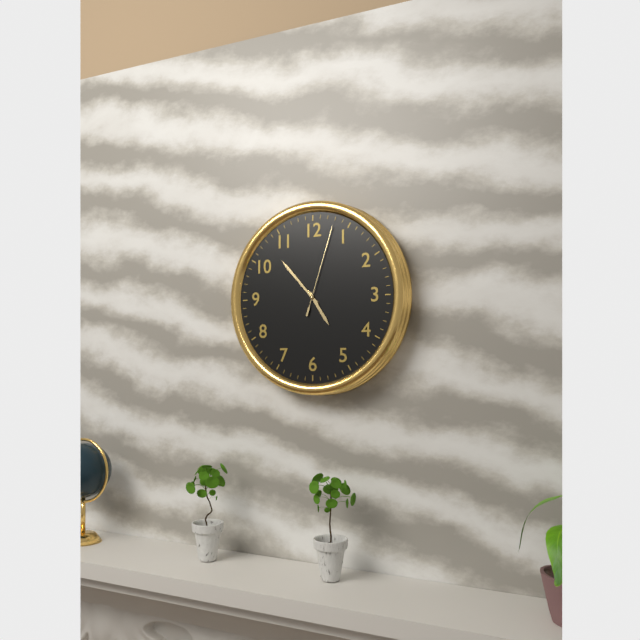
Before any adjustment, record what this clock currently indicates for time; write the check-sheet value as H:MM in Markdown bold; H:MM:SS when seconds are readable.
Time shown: **4:53:03**
